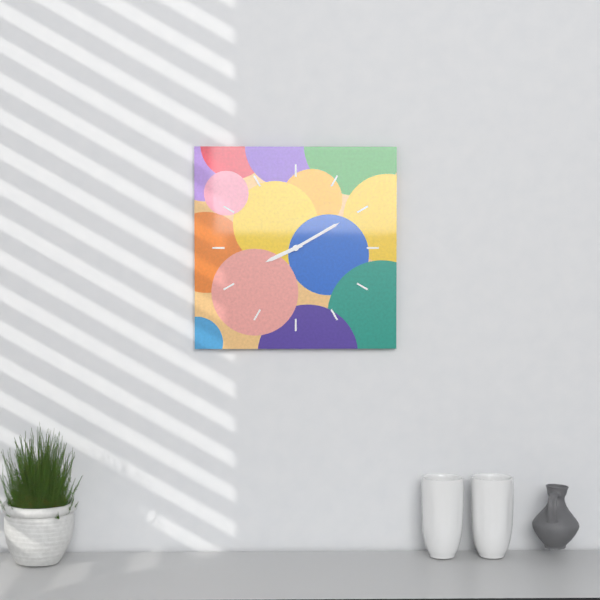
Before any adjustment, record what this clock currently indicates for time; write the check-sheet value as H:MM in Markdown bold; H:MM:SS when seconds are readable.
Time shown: **8:10**
